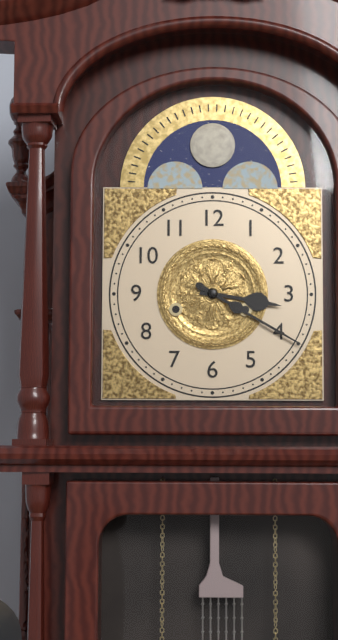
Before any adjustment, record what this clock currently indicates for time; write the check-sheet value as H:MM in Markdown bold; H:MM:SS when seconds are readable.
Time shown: **3:20**
